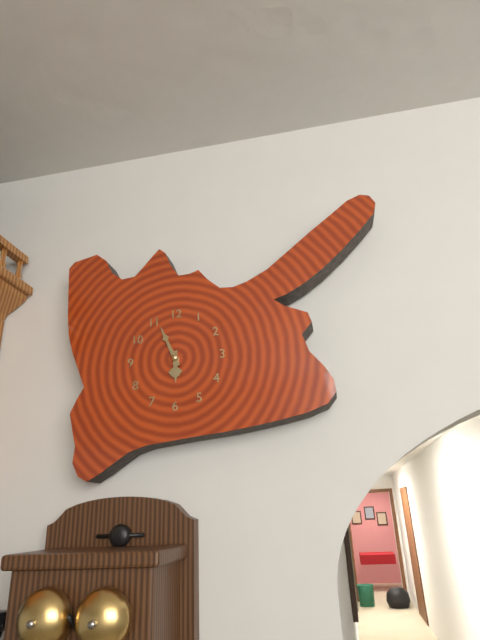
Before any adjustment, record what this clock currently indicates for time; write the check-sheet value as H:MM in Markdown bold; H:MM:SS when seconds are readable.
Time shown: **5:56**
